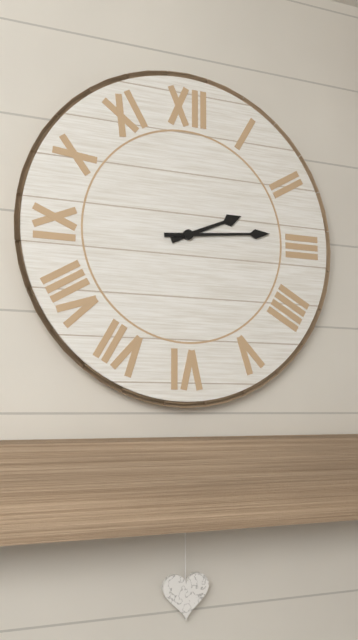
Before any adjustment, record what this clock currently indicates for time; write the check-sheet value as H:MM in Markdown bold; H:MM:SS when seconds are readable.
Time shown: **2:14**
